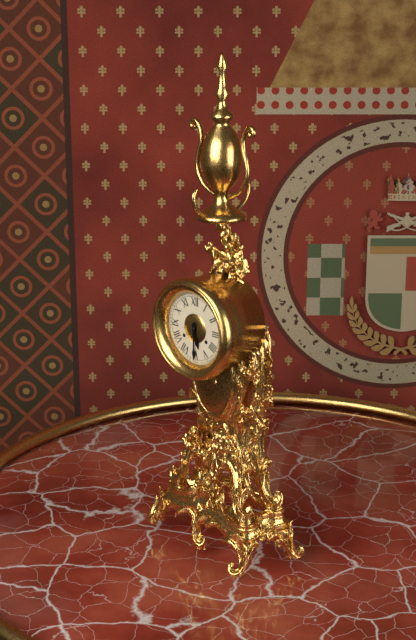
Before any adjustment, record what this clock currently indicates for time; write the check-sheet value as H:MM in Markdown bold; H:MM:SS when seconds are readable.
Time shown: **5:30**
